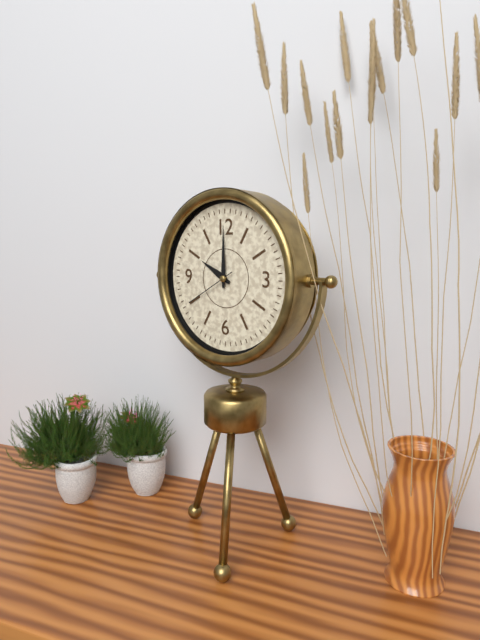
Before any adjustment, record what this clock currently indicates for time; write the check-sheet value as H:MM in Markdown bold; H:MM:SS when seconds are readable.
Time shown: **10:00:40**
